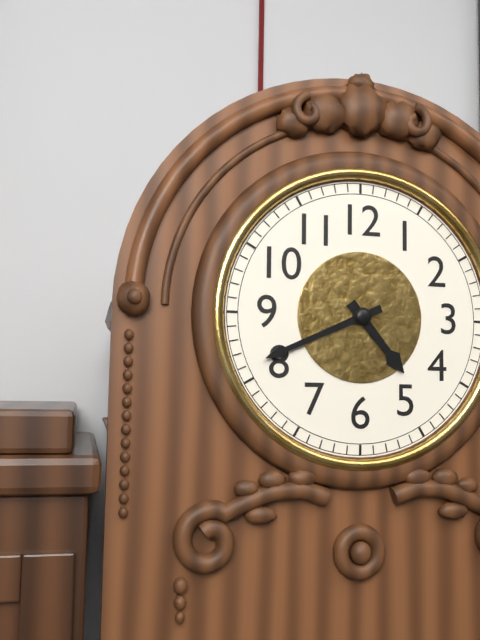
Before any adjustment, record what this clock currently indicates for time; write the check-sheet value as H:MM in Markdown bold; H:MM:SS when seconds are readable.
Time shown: **4:41**
